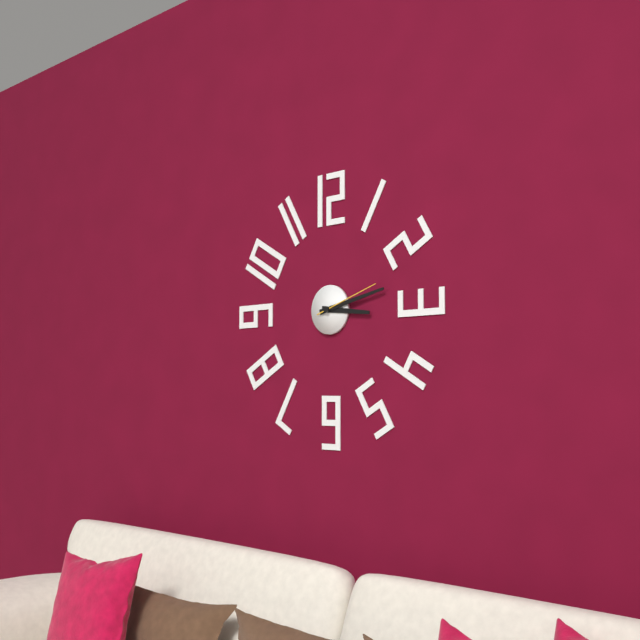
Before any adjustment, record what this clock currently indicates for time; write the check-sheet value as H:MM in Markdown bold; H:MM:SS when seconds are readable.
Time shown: **3:13:12**
